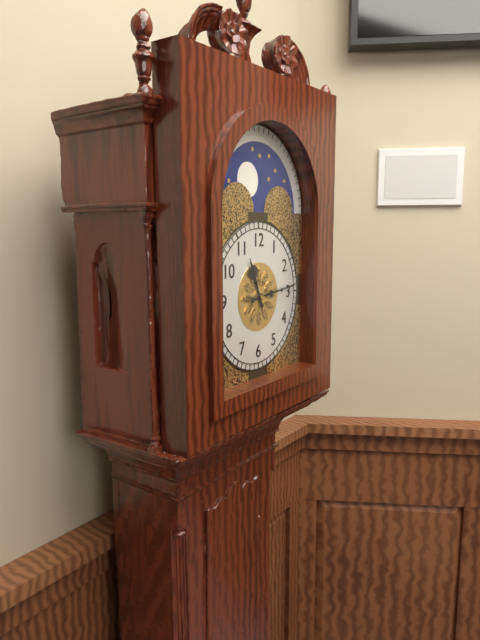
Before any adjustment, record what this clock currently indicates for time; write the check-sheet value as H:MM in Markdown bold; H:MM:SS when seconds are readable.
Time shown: **11:14**
